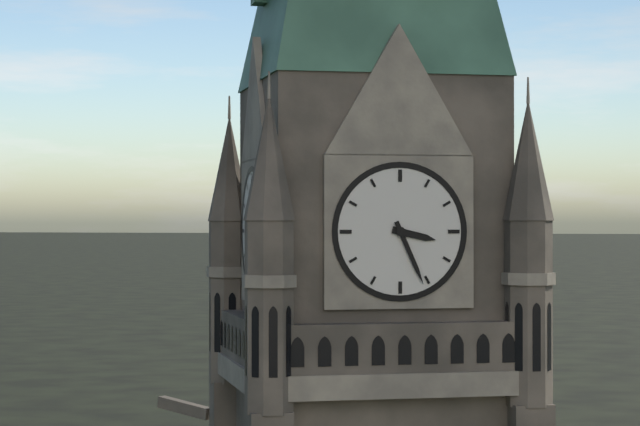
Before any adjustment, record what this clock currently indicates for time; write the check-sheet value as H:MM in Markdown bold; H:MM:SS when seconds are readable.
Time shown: **3:26**
